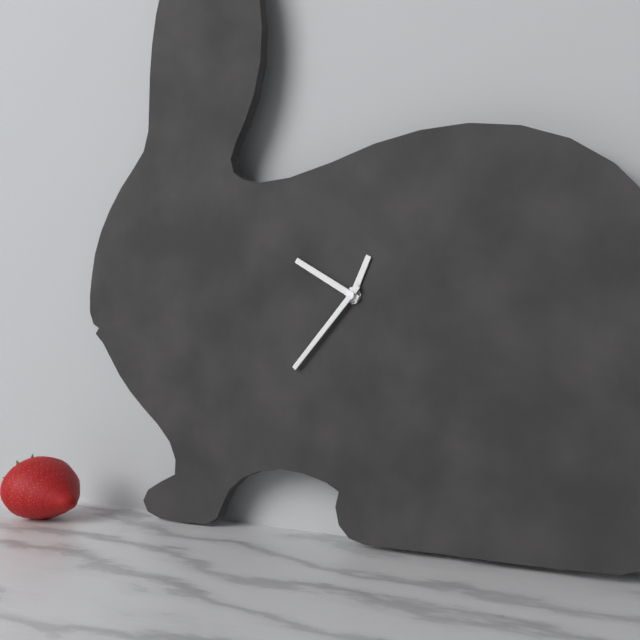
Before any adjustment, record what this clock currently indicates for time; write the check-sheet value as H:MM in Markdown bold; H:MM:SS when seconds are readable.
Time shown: **12:50:37**
